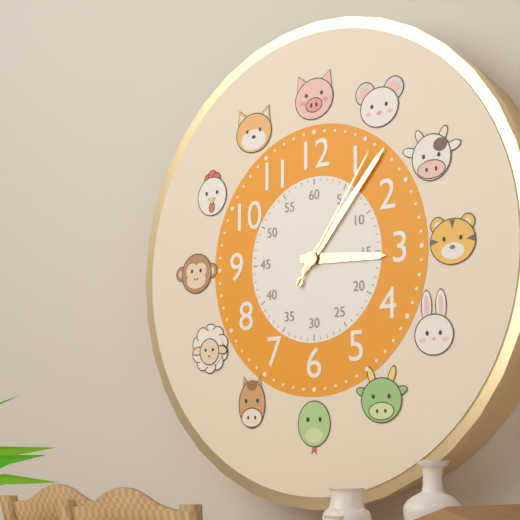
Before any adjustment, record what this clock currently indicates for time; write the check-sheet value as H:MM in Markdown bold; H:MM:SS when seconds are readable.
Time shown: **3:07:06**
